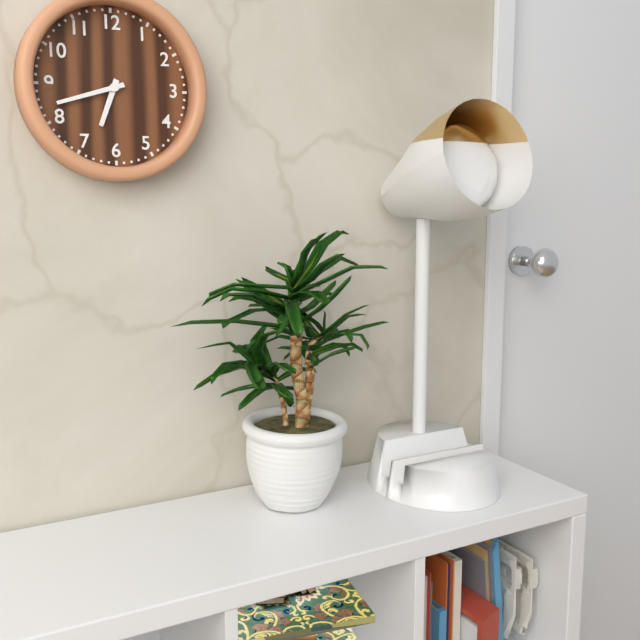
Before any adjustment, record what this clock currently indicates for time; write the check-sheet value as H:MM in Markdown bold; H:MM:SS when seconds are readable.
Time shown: **6:42**
